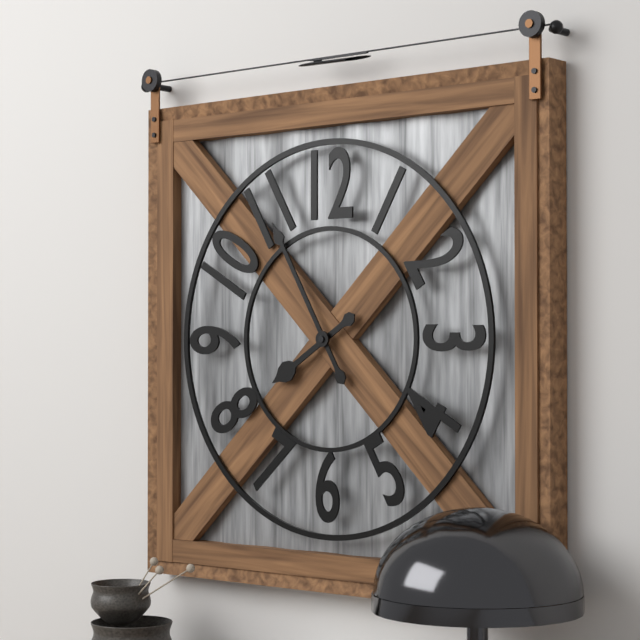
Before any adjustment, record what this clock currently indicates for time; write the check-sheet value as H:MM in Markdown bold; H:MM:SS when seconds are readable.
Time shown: **7:55**
